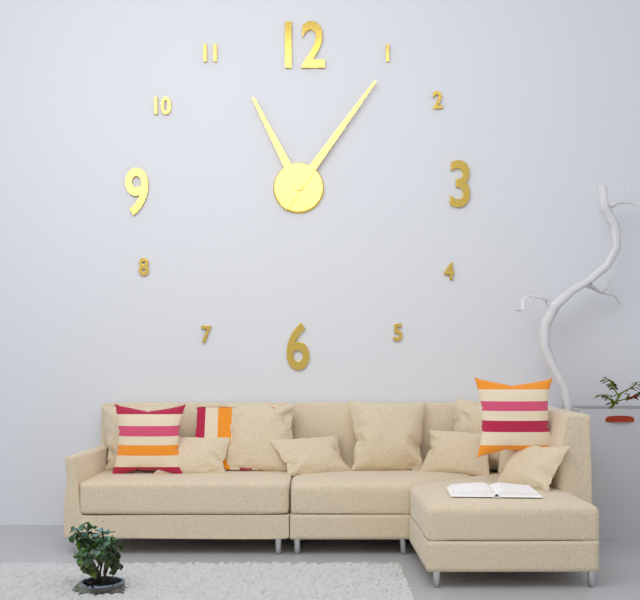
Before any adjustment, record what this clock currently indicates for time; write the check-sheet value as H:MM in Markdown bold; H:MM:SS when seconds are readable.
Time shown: **11:06**
